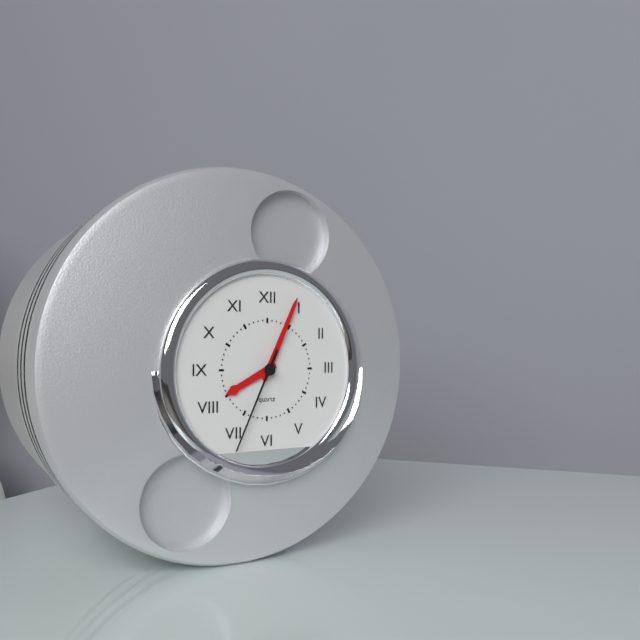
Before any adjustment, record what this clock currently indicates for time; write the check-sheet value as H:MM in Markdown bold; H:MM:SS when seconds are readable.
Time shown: **8:04:34**
